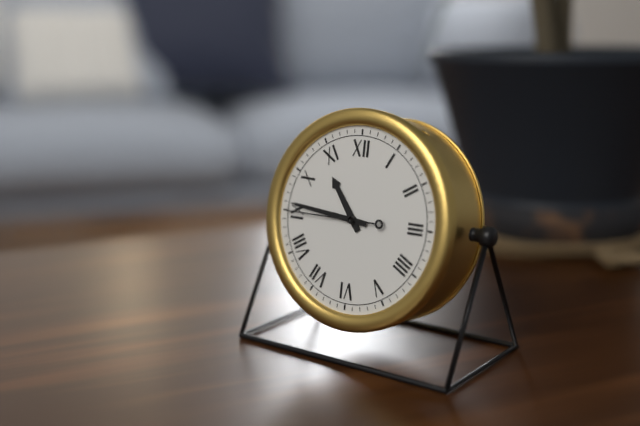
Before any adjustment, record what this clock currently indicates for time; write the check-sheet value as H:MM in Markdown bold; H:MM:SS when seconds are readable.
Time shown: **10:46:45**
